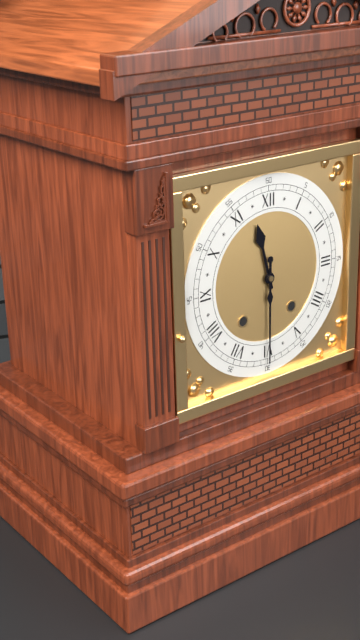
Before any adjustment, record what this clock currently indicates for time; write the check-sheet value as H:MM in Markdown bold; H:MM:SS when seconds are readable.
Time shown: **11:30**
